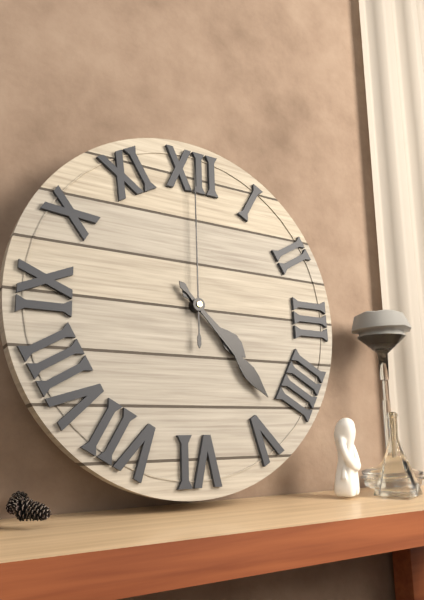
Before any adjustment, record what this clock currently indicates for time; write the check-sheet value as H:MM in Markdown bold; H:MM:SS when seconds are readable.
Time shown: **4:23:00**
